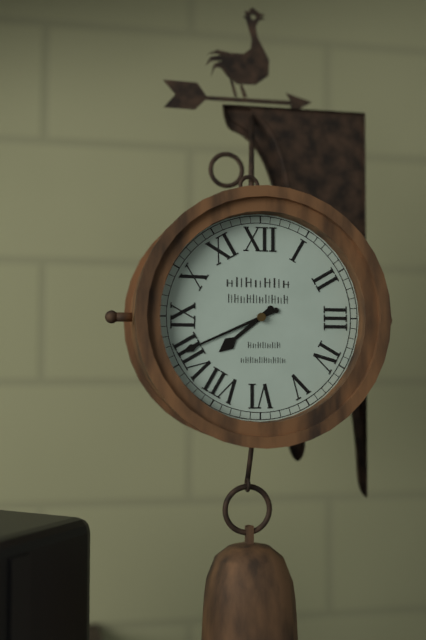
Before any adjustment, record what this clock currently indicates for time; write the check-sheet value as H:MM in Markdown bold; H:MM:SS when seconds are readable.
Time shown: **7:41**
